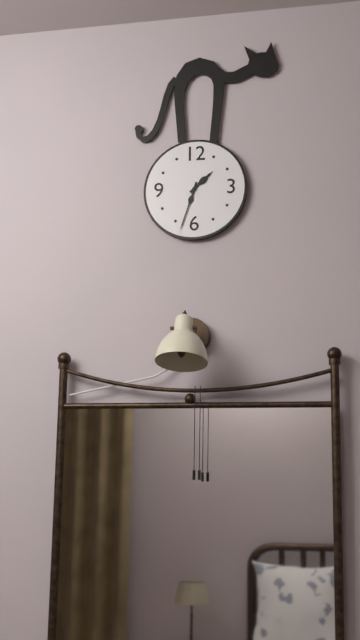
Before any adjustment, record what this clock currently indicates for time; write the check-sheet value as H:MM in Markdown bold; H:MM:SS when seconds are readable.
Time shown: **1:33**
